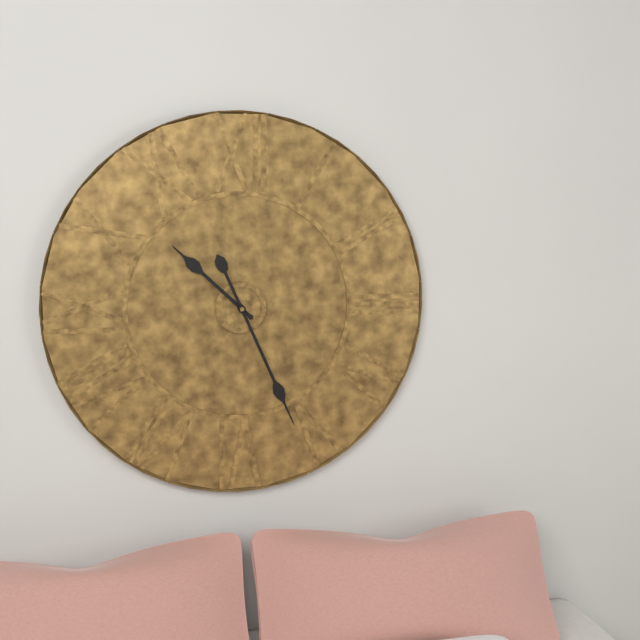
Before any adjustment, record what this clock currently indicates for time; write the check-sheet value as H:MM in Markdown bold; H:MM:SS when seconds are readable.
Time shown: **10:26**
